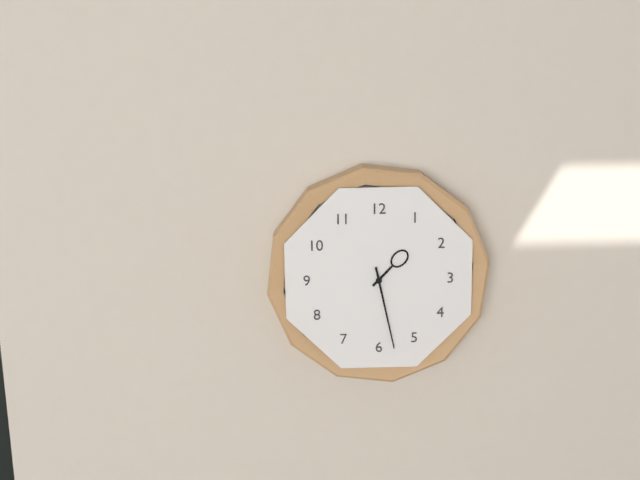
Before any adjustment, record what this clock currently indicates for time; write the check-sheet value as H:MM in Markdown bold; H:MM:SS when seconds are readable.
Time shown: **1:28**
